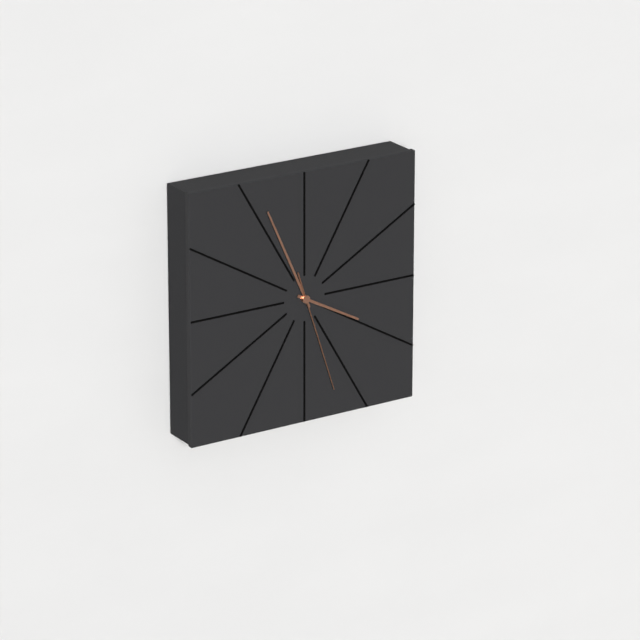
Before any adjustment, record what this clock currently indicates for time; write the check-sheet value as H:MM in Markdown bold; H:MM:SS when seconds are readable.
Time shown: **3:56:27**
